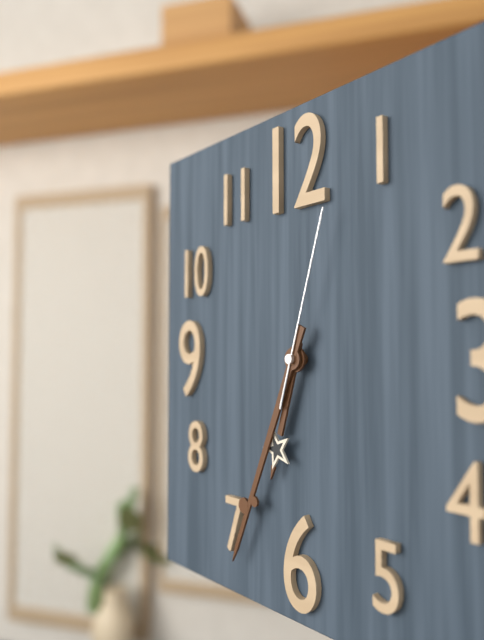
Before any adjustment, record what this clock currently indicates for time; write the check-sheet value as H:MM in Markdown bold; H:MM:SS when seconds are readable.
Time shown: **6:34:03**
